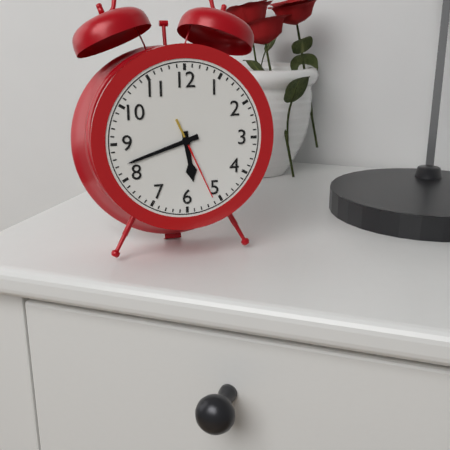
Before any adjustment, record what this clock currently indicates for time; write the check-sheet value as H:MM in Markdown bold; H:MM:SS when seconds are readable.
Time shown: **5:42:26**
